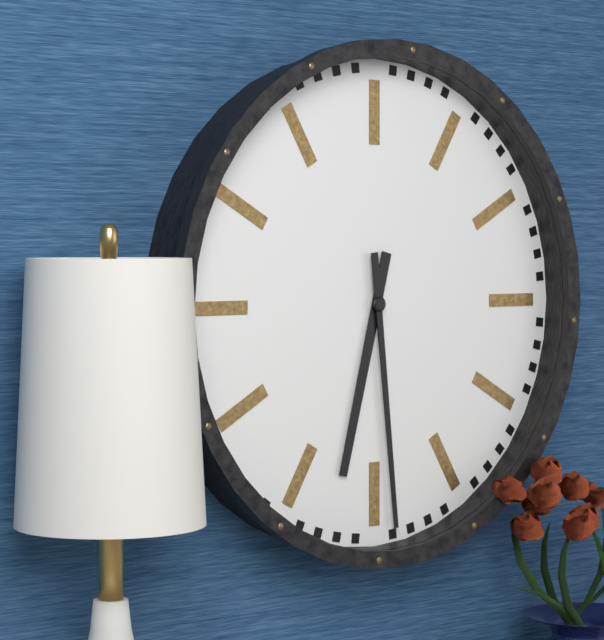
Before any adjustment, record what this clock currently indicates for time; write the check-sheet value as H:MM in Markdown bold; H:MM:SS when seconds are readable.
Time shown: **6:29**
